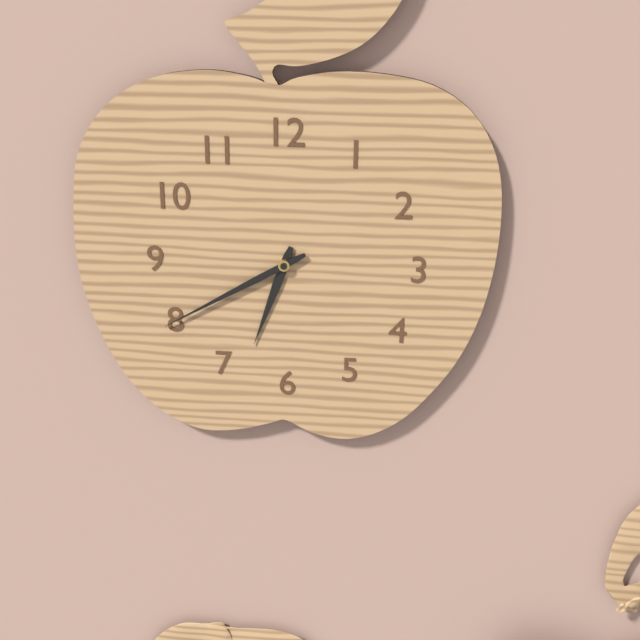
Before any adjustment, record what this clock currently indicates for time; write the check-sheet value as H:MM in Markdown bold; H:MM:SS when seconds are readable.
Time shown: **6:40**
